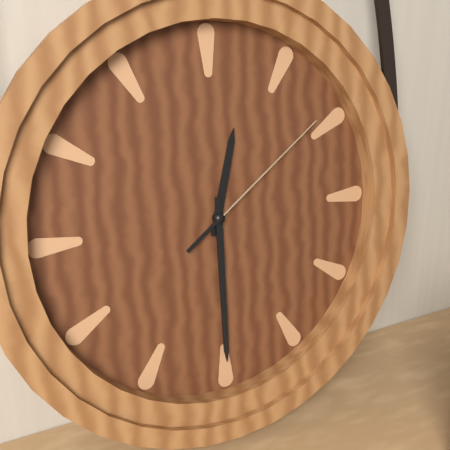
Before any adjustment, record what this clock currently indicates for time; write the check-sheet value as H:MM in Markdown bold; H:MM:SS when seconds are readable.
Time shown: **12:30:09**
